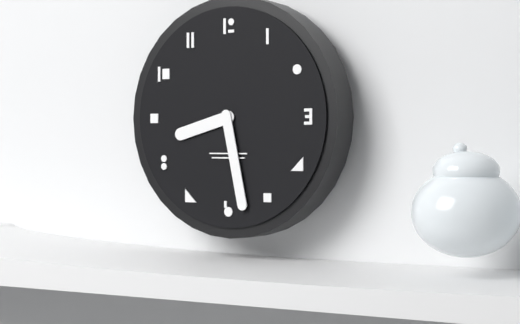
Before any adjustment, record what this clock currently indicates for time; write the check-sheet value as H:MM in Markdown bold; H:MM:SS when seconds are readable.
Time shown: **8:28**
